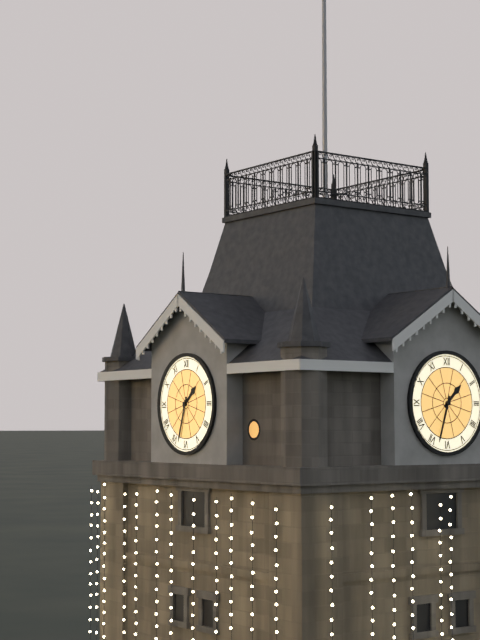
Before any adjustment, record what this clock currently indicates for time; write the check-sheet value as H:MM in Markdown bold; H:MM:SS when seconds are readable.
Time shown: **1:33**
